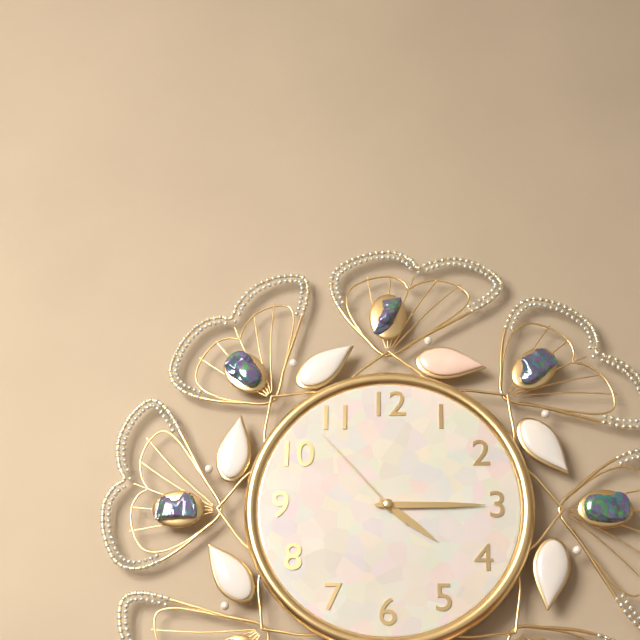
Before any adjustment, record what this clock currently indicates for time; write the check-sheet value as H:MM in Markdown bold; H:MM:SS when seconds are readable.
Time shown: **4:15:53**
